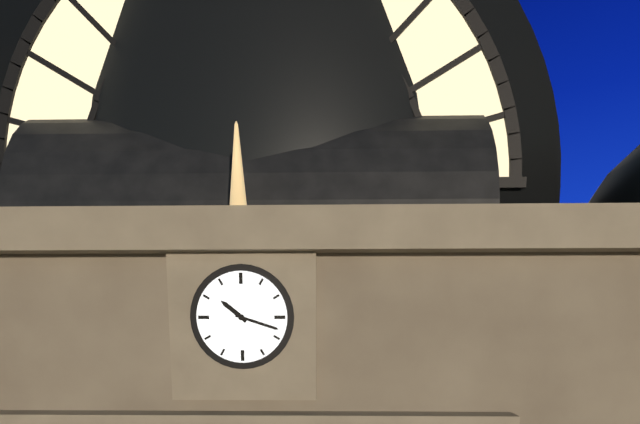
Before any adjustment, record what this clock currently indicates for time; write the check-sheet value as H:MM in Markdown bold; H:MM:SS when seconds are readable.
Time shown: **10:18**
